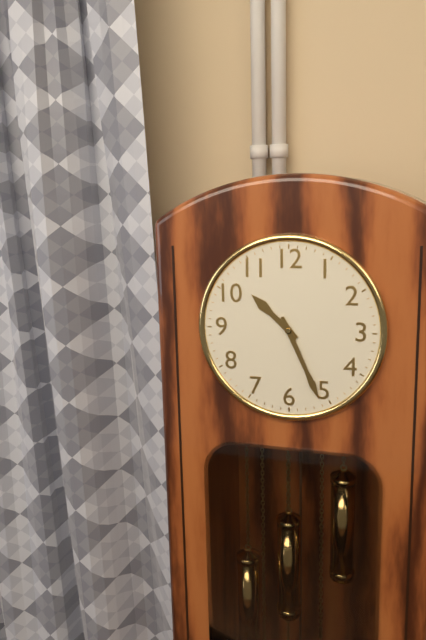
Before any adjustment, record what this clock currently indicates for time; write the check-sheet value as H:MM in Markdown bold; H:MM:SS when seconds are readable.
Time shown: **10:26**
